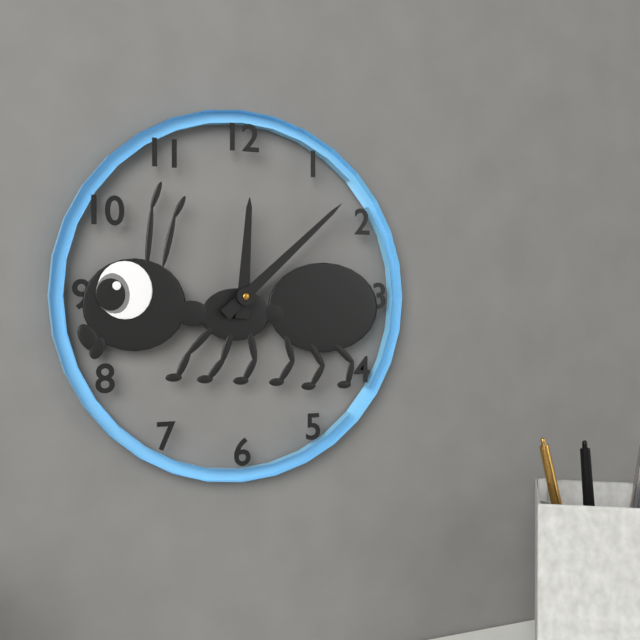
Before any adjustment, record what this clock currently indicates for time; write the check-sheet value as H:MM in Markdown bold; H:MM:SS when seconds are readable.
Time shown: **12:08**
